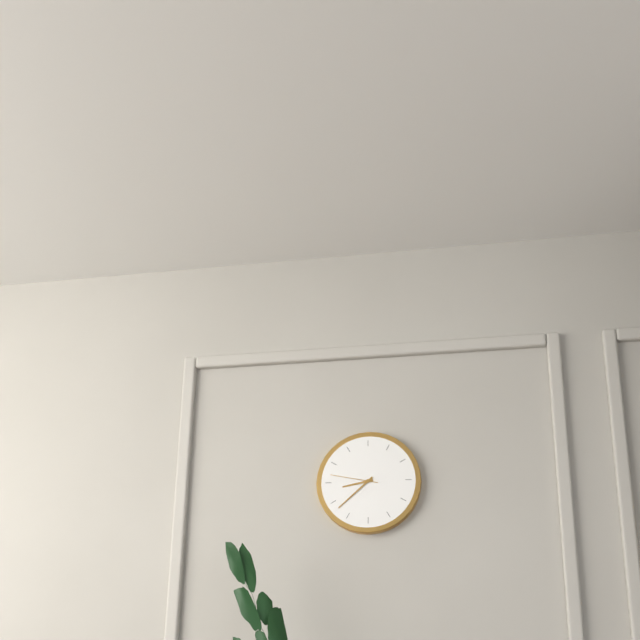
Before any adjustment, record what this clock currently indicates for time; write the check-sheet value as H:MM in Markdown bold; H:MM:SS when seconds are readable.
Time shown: **8:38**
